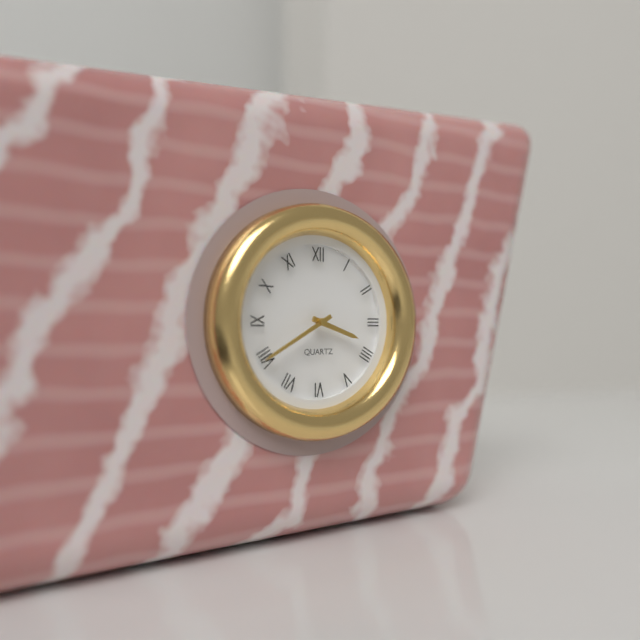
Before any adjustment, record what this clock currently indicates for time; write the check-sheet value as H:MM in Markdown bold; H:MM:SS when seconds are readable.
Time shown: **3:40**
